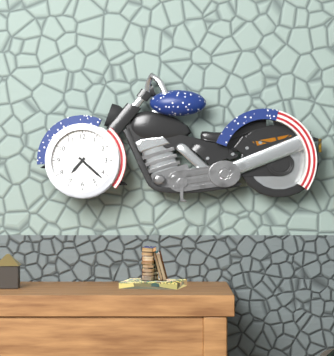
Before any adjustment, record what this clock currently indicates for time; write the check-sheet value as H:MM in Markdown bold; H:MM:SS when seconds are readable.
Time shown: **7:22**
